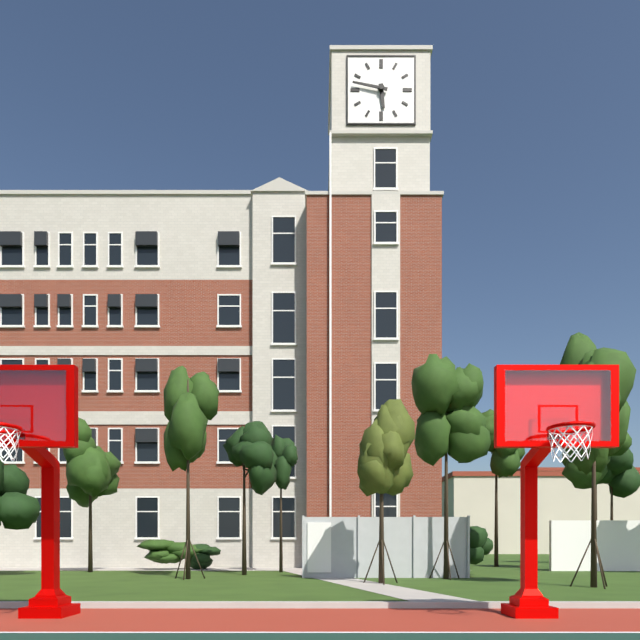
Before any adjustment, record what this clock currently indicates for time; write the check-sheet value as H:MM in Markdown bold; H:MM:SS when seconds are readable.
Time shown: **5:47**
